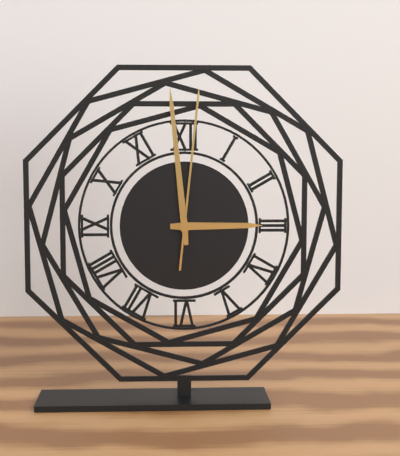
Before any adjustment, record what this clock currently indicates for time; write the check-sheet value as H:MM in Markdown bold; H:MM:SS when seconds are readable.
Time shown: **2:59:01**
